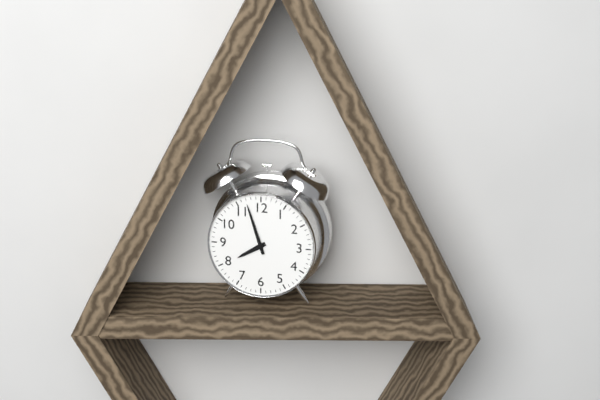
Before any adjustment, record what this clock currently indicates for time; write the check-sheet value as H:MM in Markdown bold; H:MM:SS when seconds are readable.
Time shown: **7:57**
